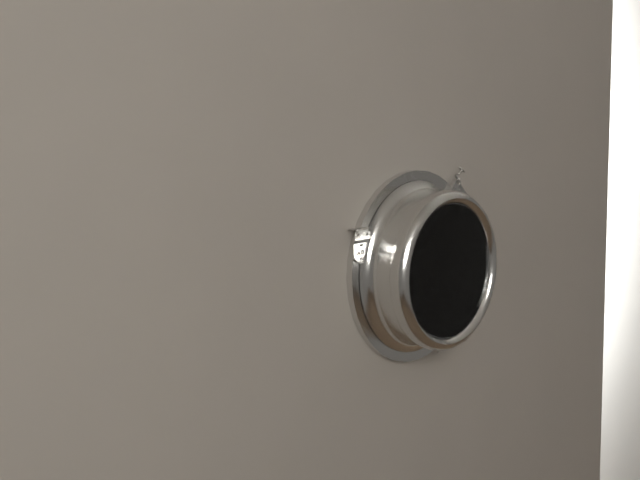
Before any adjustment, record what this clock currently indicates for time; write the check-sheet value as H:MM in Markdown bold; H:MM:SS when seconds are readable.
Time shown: **8:44**
